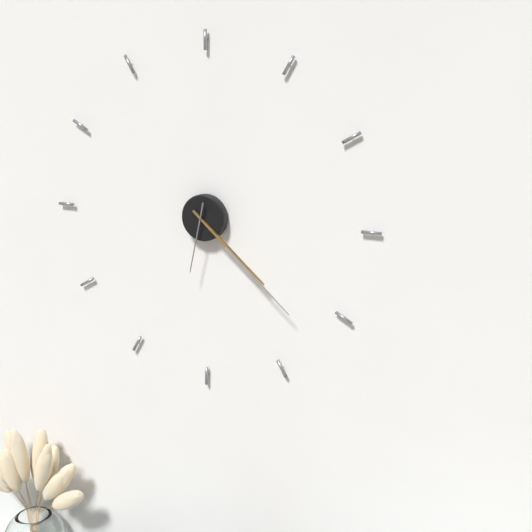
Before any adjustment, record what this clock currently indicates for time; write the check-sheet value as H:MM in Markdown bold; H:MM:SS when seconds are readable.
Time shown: **4:22:32**
